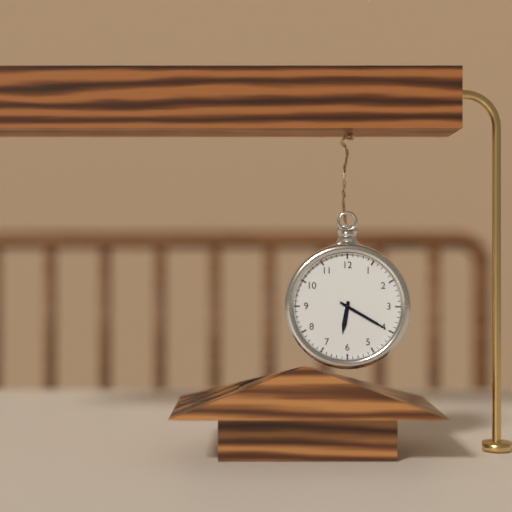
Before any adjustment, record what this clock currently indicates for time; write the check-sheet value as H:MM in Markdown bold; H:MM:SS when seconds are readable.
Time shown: **6:20**
